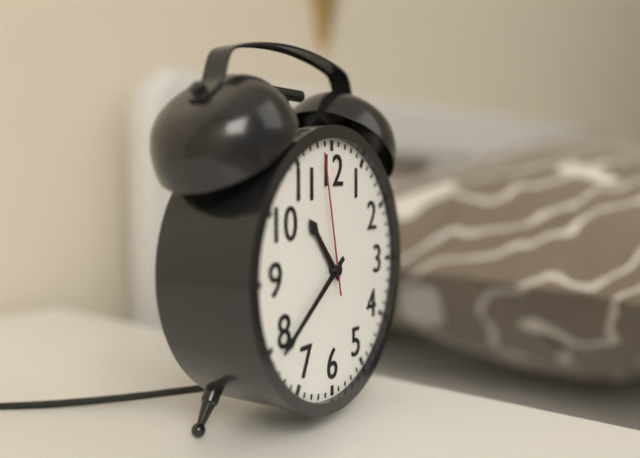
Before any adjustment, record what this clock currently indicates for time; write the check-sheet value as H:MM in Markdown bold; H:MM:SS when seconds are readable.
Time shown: **10:39:58**
